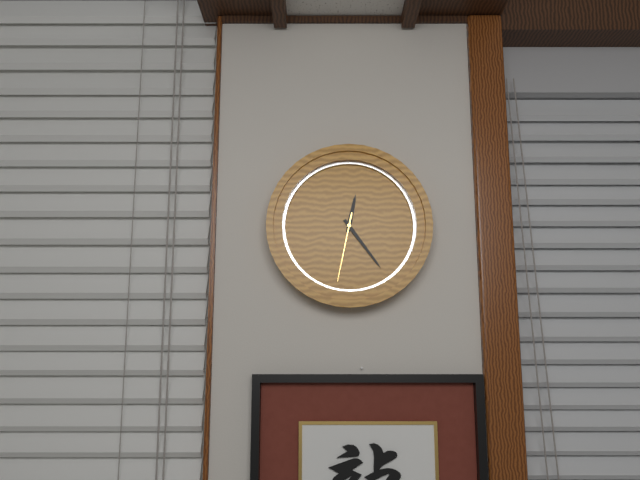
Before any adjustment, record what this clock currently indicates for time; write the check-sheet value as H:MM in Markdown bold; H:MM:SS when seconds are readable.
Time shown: **12:24:32**
